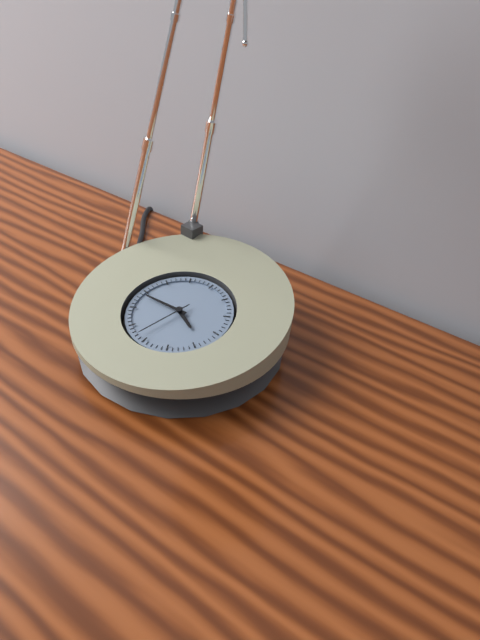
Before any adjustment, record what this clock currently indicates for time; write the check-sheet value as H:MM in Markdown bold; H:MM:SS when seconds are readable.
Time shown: **3:44:32**
